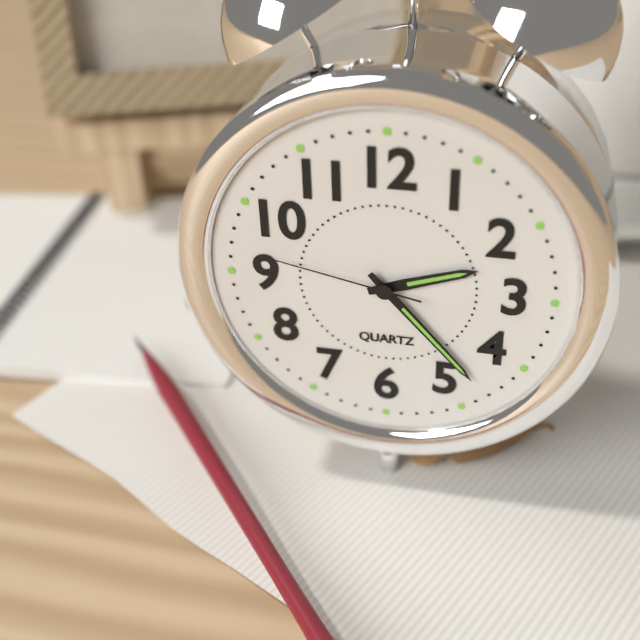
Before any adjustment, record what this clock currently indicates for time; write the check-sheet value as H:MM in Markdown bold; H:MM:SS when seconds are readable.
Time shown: **2:23:47**
